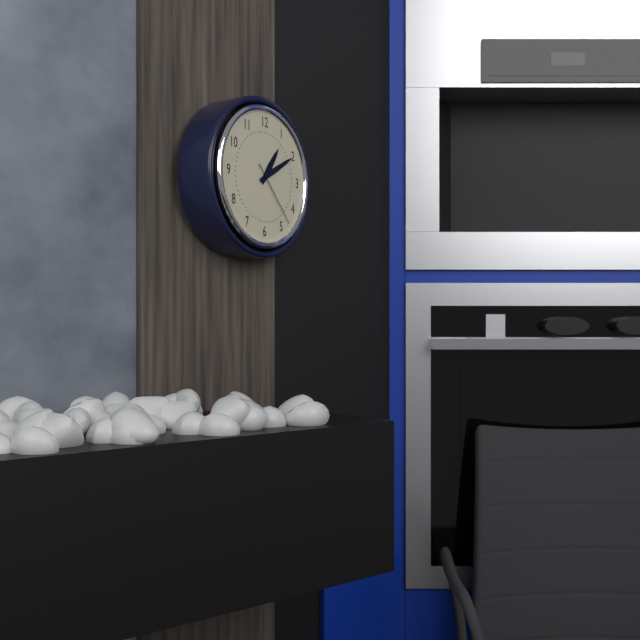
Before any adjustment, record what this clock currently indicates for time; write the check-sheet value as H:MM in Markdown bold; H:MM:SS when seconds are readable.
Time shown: **1:10:23**
